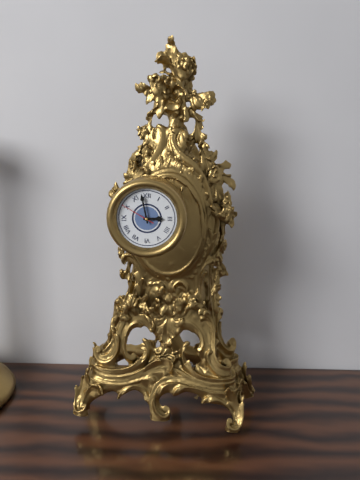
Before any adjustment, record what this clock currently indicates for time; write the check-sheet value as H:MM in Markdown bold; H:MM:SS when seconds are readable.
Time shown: **2:58**
